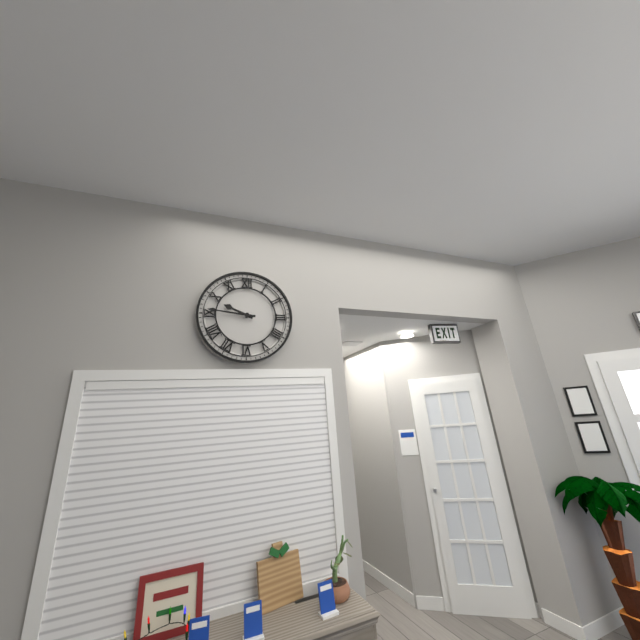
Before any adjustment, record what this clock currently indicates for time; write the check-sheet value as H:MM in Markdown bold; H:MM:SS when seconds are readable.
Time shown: **9:46**
